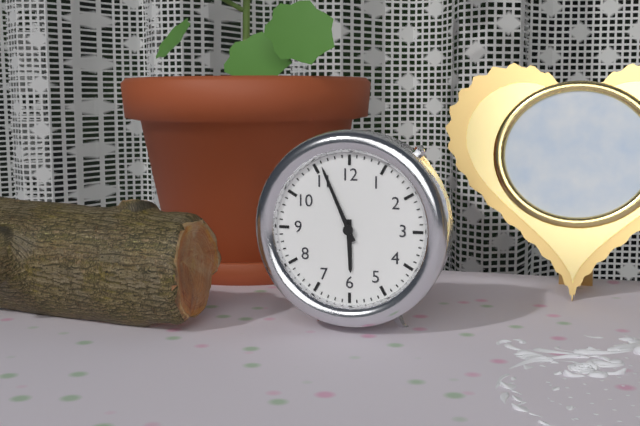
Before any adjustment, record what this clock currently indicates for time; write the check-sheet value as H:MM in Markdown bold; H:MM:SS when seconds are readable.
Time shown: **5:56**
